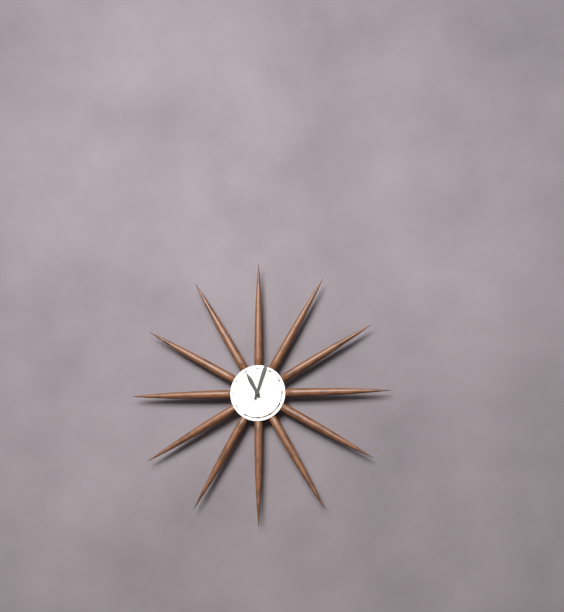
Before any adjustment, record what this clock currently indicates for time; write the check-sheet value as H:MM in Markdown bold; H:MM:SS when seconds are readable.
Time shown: **11:03**
